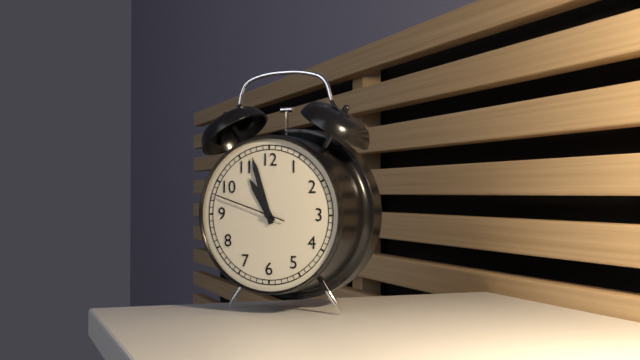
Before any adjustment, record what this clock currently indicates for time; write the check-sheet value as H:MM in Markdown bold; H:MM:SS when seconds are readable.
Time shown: **10:57:48**
